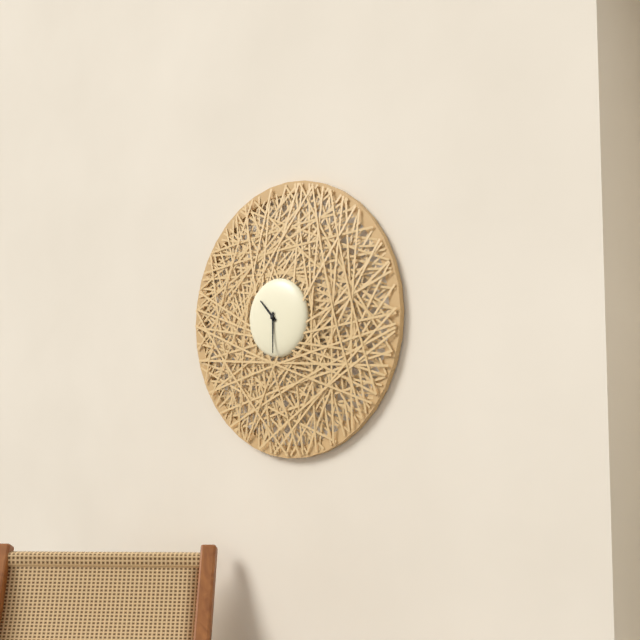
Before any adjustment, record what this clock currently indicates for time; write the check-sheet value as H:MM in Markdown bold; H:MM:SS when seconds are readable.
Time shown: **10:30**
